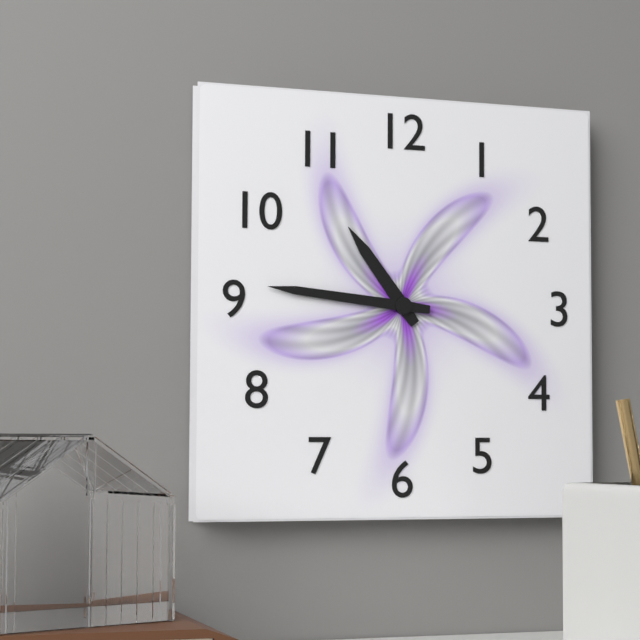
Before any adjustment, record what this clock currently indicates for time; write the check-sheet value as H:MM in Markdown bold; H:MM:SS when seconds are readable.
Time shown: **10:46**
